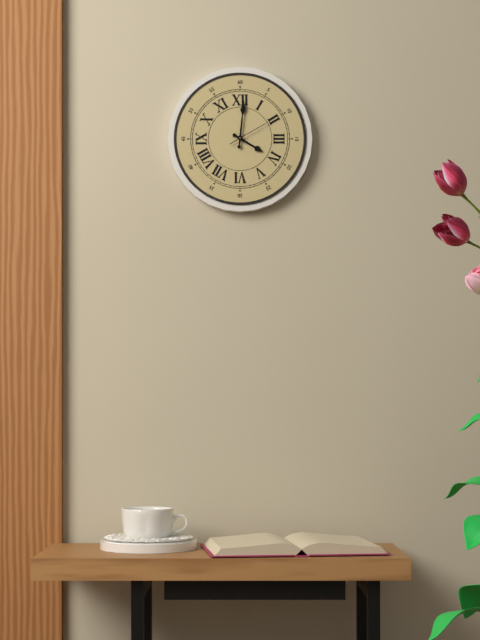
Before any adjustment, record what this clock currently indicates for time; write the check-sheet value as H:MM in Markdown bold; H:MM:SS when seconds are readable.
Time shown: **4:01:10**
